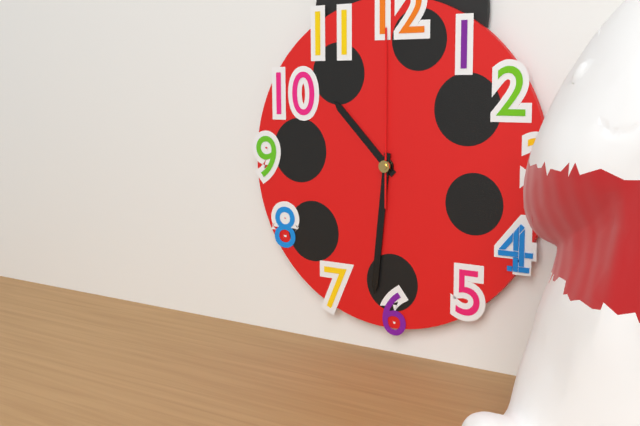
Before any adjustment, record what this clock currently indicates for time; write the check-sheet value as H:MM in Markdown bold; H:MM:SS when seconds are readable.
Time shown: **10:31:00**
